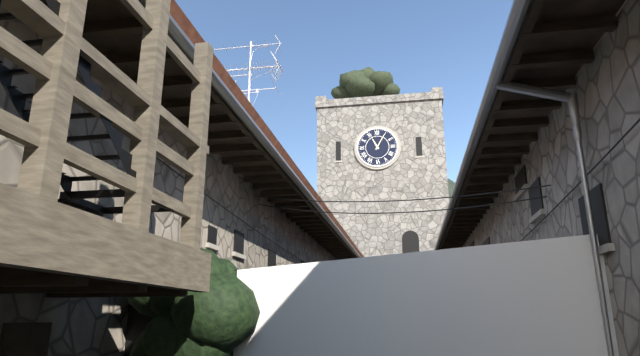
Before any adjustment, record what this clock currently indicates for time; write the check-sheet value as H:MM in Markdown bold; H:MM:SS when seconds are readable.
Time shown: **11:05**
